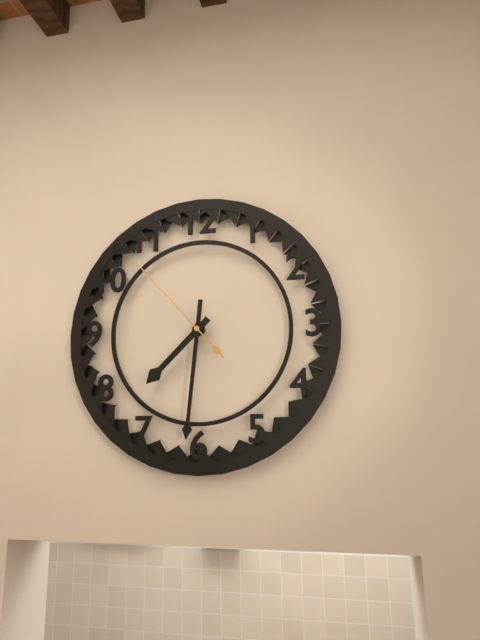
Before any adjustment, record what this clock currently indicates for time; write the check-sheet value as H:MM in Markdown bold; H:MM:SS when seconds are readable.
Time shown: **7:31:53**
